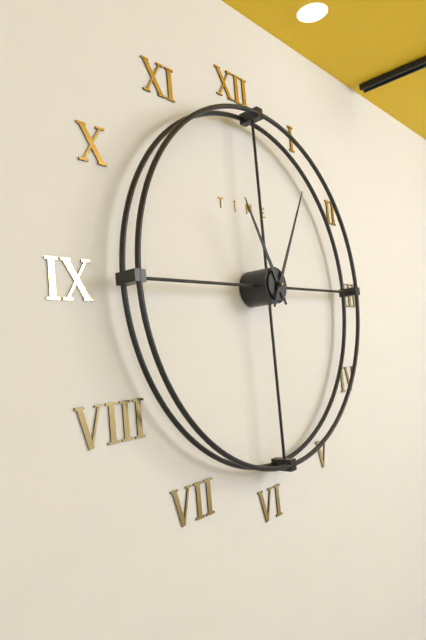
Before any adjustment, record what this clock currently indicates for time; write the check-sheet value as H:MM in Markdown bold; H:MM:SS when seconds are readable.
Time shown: **11:05**
